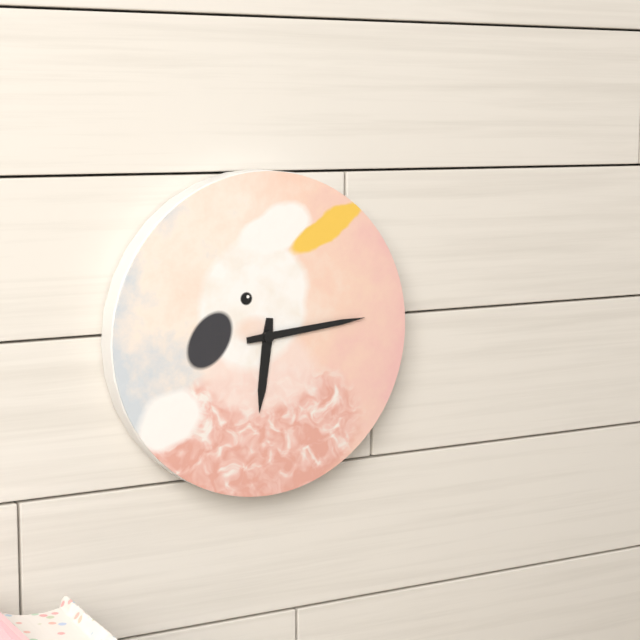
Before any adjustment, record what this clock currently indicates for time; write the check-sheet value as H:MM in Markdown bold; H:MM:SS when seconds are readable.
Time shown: **6:14**
